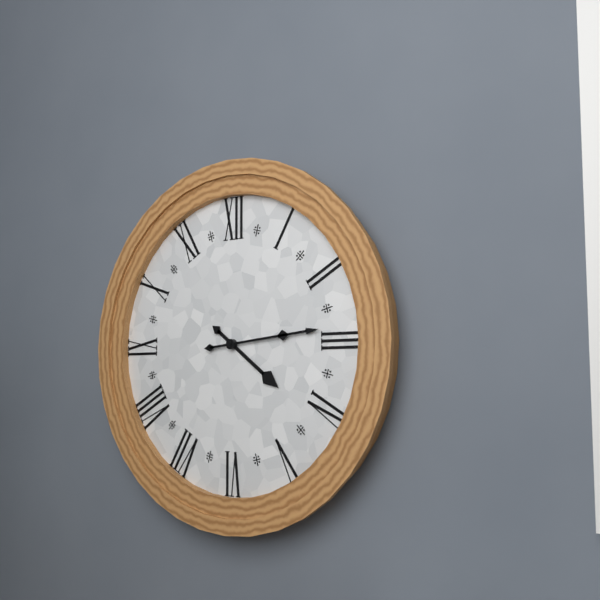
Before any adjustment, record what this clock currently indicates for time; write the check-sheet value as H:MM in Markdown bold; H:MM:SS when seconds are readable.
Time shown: **4:14**
